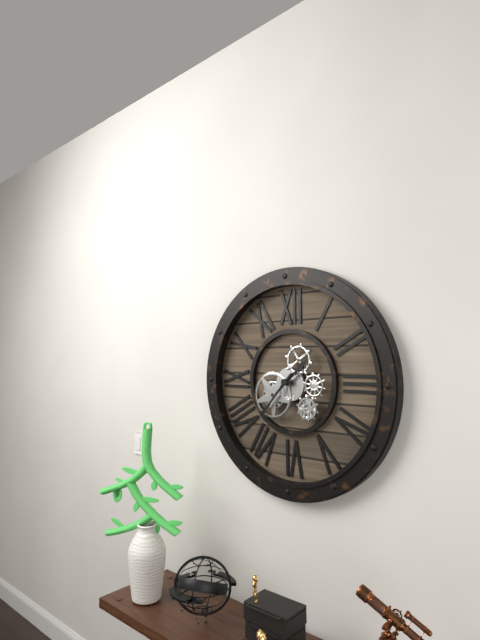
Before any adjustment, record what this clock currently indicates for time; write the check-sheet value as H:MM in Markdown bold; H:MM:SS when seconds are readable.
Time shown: **1:37**
